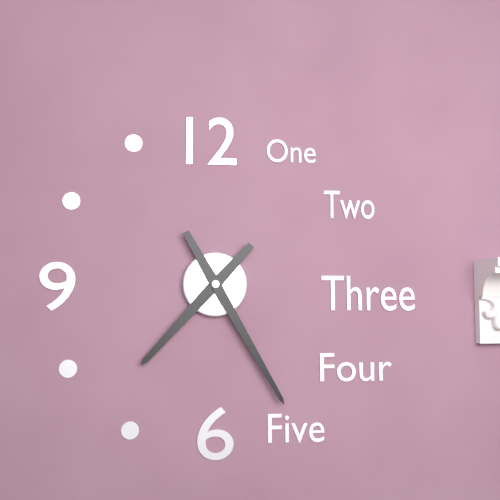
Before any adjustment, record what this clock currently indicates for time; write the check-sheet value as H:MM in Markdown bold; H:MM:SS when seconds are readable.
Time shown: **7:25**
